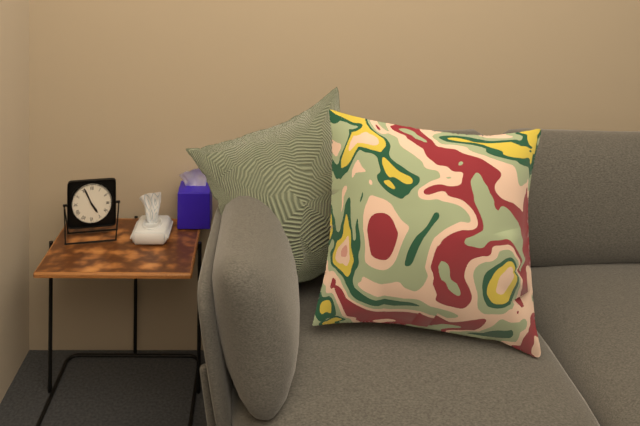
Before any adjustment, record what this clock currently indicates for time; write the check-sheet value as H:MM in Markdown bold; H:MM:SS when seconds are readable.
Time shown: **4:56**
